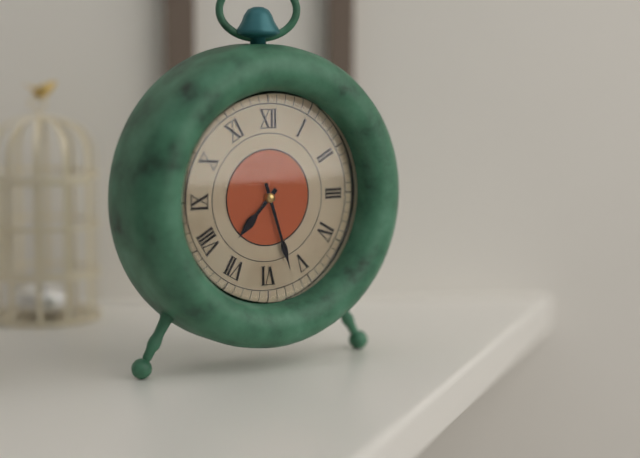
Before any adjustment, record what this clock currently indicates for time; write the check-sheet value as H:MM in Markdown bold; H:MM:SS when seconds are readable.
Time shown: **7:27**
